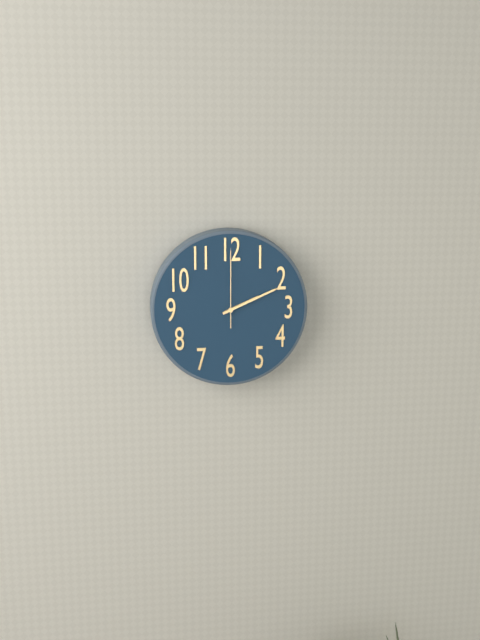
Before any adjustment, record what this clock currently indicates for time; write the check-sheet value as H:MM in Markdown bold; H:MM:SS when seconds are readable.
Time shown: **2:11:00**
